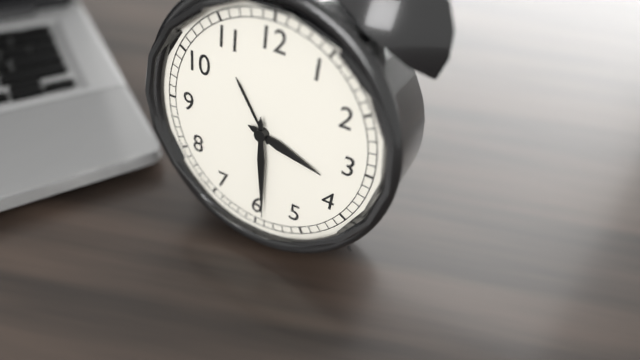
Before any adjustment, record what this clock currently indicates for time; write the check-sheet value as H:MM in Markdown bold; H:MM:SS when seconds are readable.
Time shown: **3:29**
